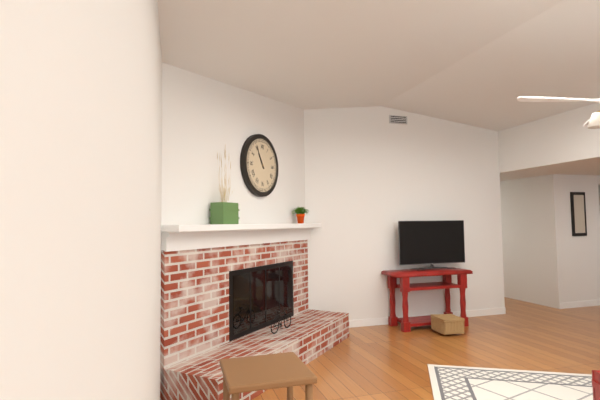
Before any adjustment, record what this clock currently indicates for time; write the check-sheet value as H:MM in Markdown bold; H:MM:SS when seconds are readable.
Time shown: **10:55**
